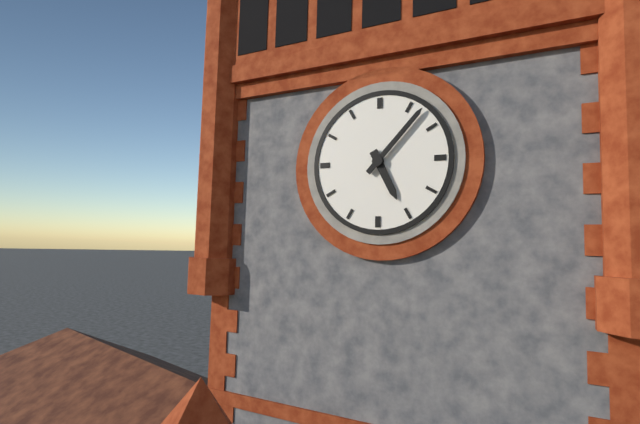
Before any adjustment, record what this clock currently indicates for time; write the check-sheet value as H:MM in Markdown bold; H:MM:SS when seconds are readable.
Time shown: **5:07**
